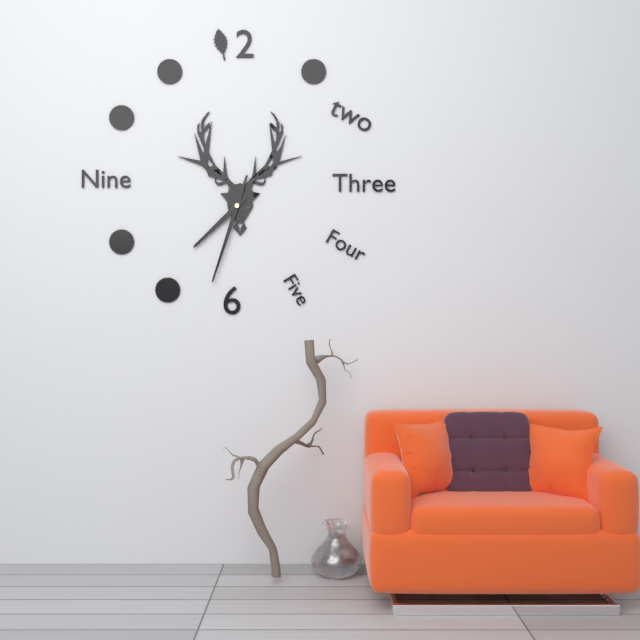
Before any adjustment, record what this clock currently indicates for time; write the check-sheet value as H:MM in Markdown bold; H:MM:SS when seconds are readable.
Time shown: **7:33**
